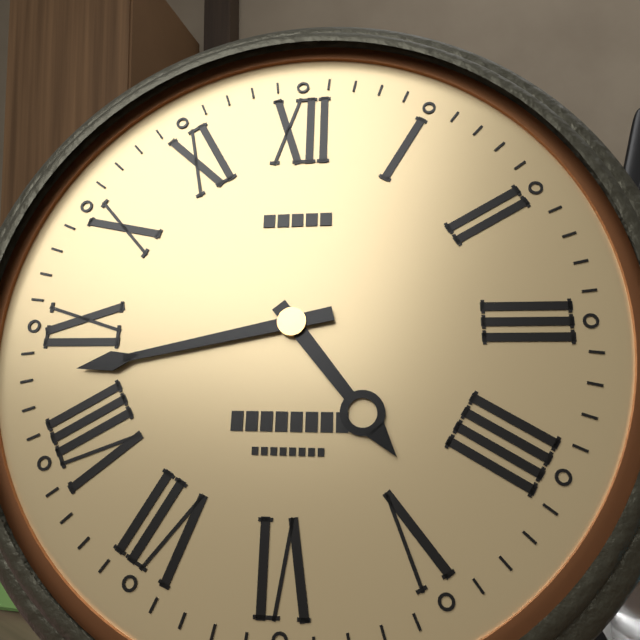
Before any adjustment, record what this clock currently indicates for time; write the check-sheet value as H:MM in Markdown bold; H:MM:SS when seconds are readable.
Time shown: **4:43**
